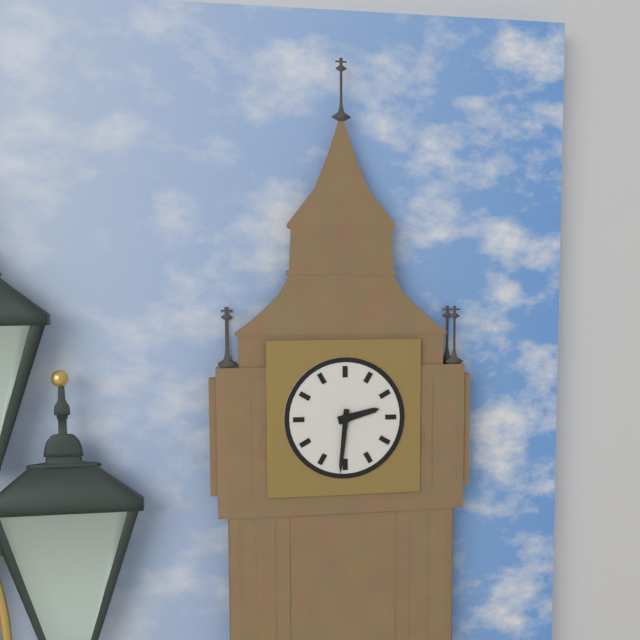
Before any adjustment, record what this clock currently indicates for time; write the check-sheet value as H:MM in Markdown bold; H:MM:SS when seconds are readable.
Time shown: **2:31**
